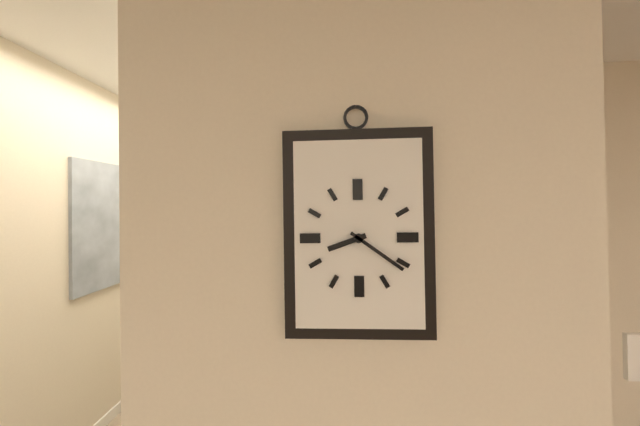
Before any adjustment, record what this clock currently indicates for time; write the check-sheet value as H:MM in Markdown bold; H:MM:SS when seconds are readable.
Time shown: **8:21**
